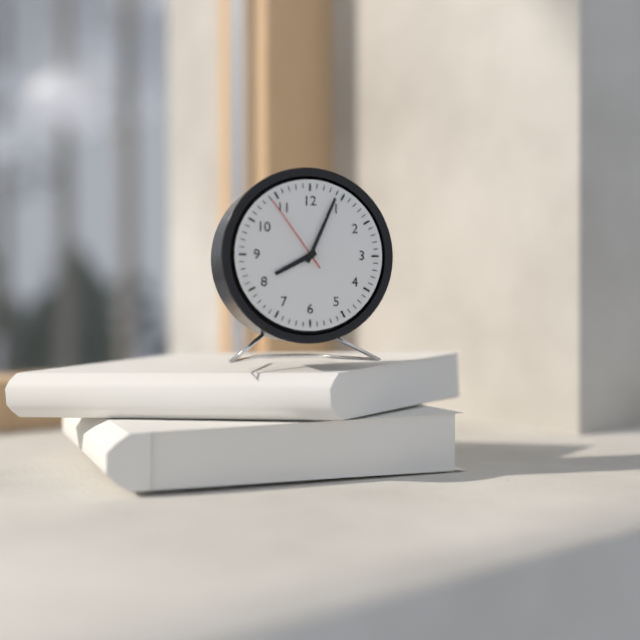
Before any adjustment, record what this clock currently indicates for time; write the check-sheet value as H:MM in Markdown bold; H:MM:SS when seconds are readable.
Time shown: **8:04:54**
